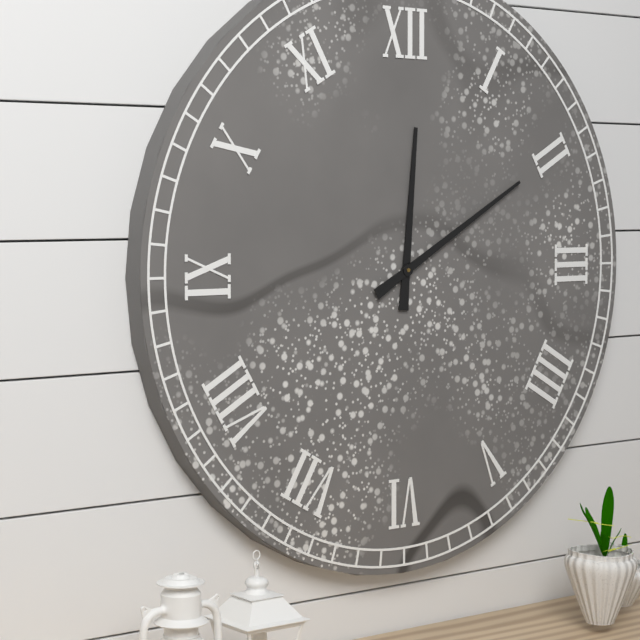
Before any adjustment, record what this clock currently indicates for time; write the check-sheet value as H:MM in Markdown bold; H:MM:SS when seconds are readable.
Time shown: **12:10**
